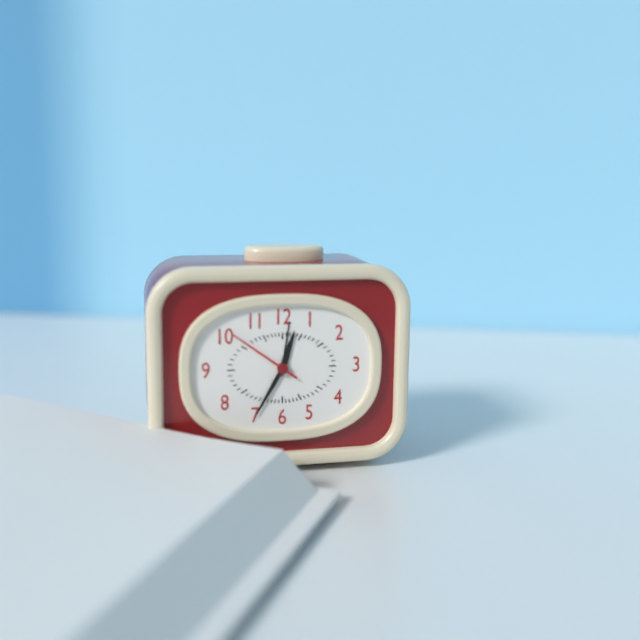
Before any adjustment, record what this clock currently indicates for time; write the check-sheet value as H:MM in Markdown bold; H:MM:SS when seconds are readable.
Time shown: **12:35:51**
